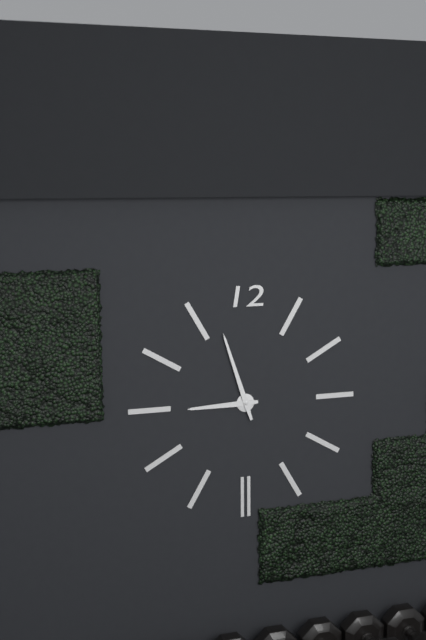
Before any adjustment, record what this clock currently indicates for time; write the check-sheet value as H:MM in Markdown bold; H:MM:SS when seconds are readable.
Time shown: **8:57**
